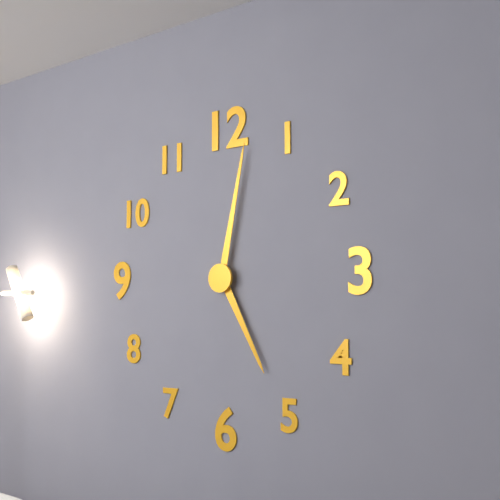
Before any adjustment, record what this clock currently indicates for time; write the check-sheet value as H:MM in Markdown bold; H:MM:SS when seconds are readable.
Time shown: **5:02**
